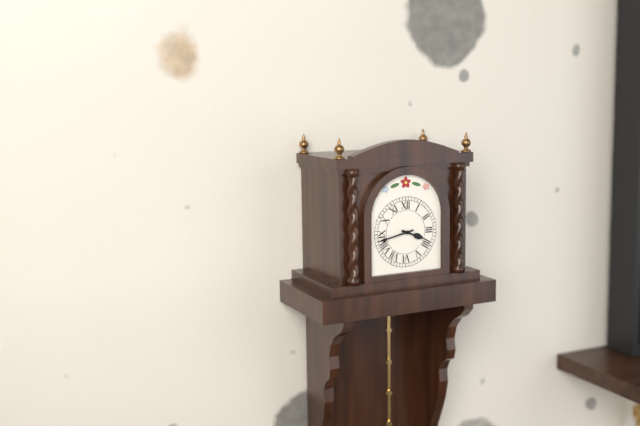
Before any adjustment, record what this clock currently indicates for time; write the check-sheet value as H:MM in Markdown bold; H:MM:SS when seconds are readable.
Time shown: **3:43**
